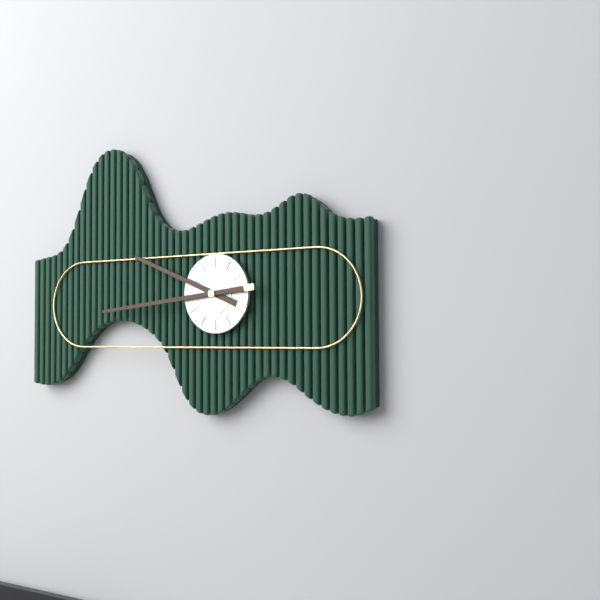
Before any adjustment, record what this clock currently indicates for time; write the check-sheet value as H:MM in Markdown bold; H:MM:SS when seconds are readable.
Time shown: **9:44**
